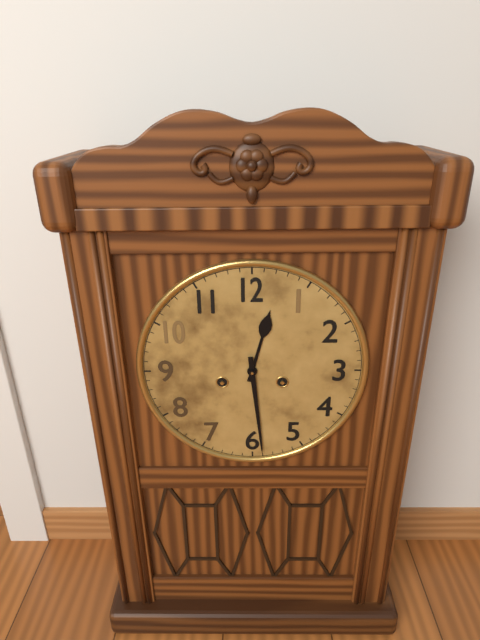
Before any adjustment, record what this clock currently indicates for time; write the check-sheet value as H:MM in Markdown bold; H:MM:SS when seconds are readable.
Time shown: **12:29**
